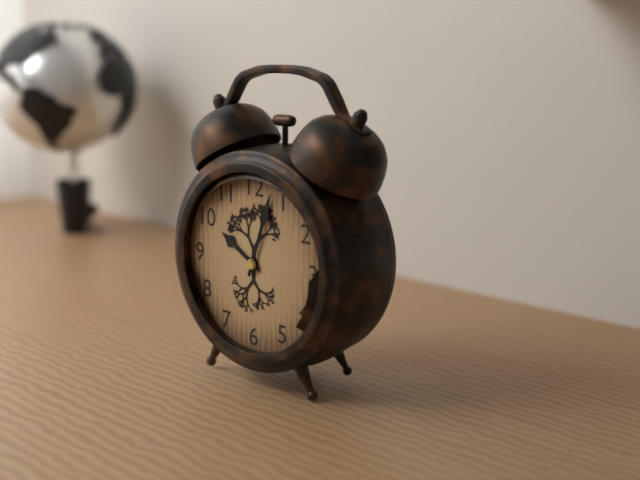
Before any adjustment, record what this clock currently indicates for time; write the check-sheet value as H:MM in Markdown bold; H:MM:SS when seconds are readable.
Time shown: **10:03**
